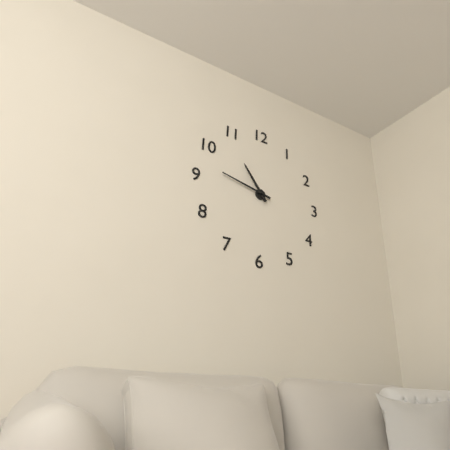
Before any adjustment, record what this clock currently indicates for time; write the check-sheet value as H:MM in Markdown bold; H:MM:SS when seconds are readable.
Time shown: **10:47**
